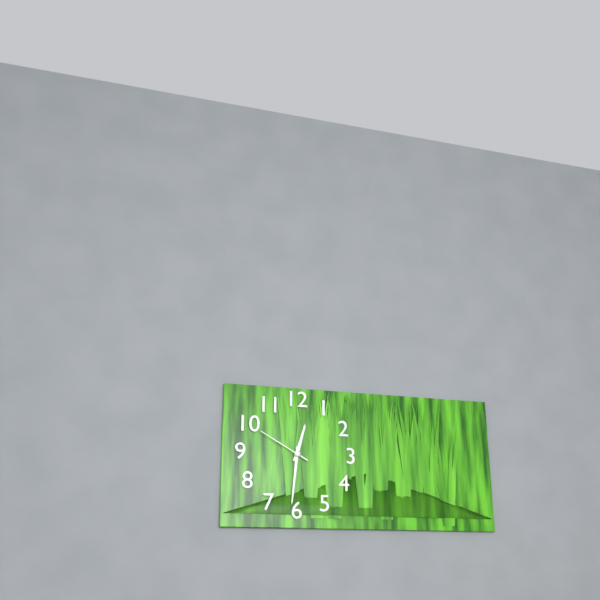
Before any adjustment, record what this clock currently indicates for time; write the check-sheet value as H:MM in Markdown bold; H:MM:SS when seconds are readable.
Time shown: **12:31:50**
